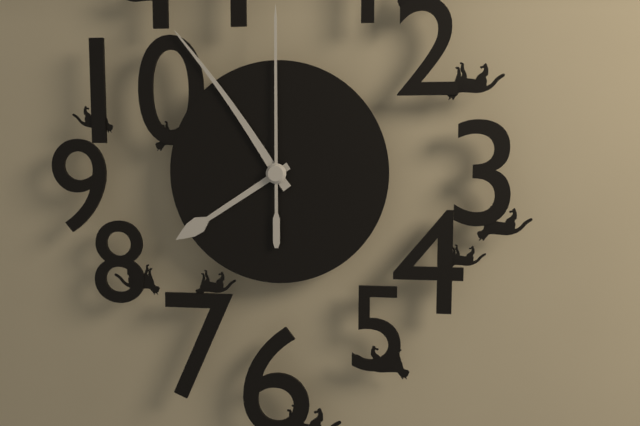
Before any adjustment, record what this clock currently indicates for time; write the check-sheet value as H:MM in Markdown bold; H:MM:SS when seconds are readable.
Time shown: **7:54:00**
